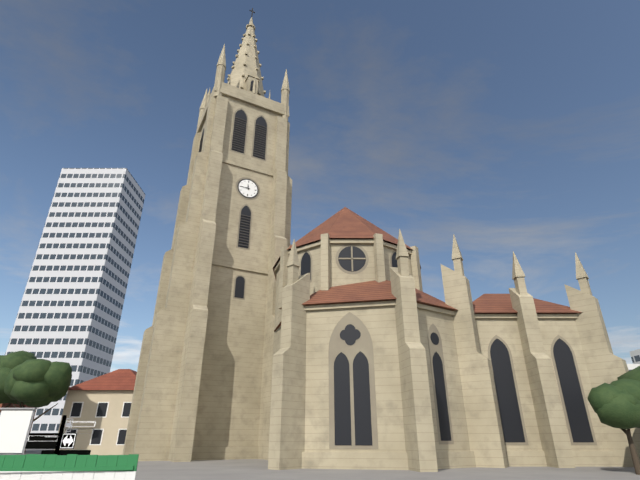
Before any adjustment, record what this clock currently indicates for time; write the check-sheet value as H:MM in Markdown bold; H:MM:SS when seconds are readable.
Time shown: **11:45**
